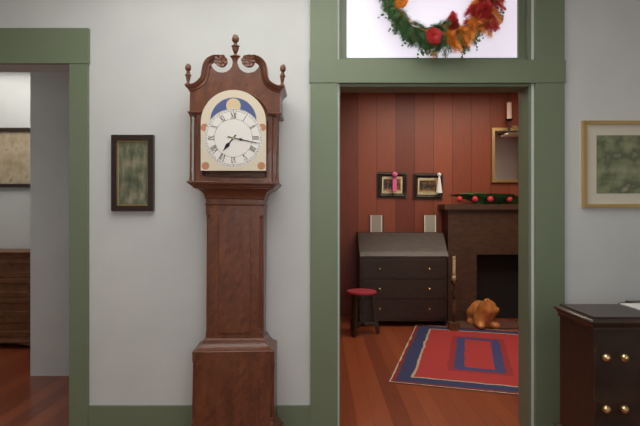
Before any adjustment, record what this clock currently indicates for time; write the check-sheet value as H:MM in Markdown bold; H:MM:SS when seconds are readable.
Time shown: **7:17**
